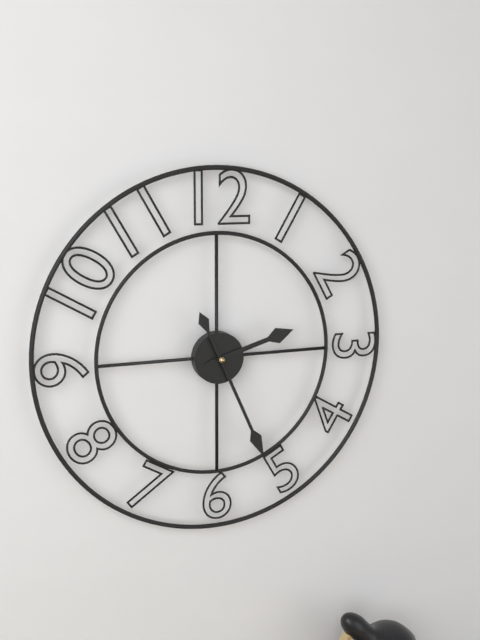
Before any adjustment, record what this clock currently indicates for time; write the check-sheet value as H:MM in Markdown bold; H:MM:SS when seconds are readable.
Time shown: **2:26**
